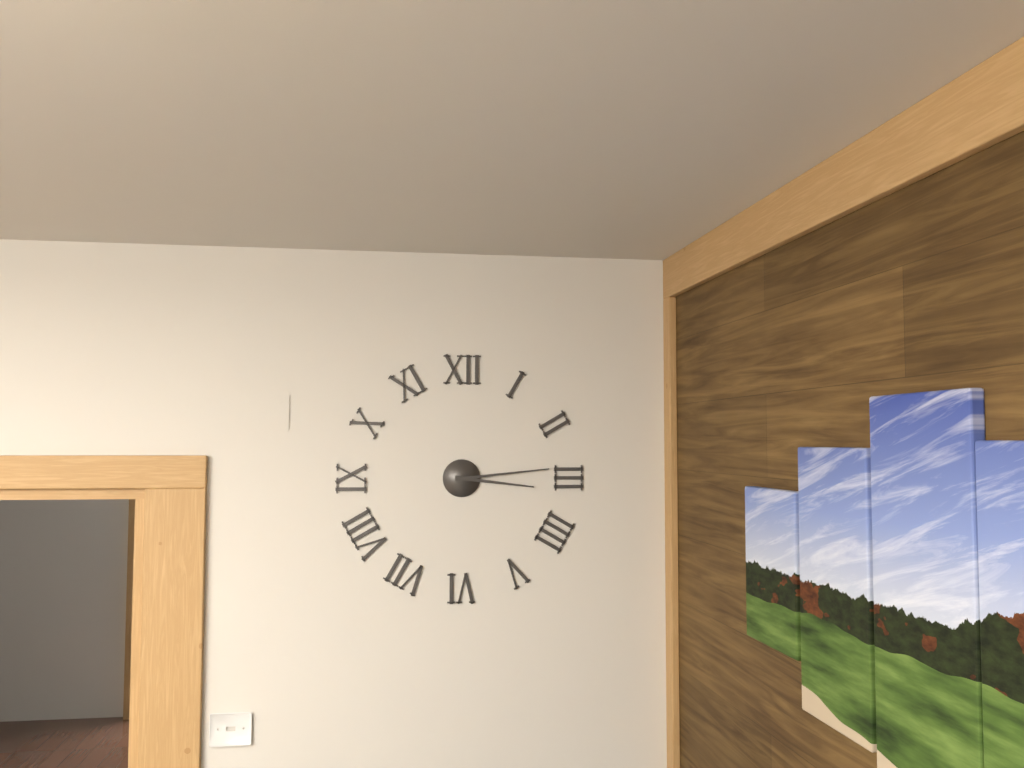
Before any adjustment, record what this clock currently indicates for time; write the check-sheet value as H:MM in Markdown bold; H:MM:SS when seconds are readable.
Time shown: **3:14**
